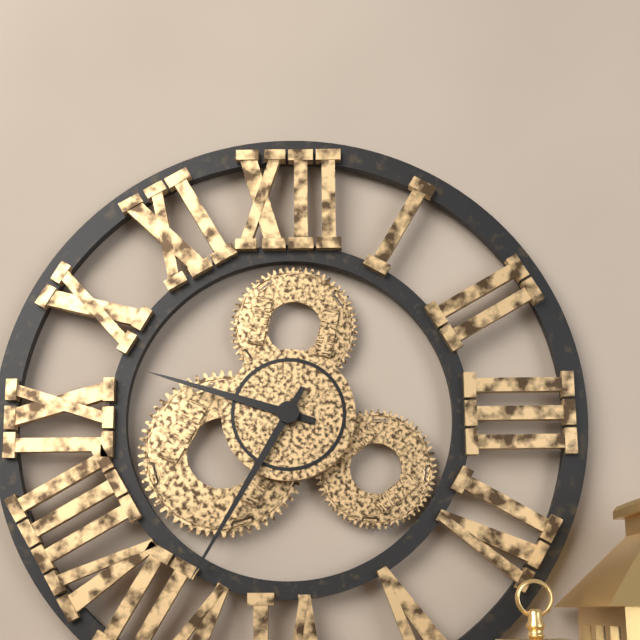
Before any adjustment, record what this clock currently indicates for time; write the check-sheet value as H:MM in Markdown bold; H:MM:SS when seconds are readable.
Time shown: **9:35**
